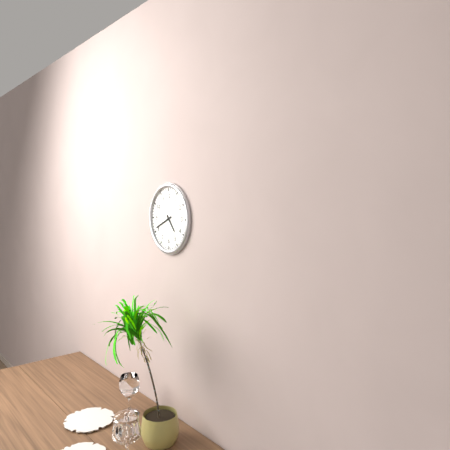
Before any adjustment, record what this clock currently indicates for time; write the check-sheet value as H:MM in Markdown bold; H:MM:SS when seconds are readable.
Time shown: **4:41**
